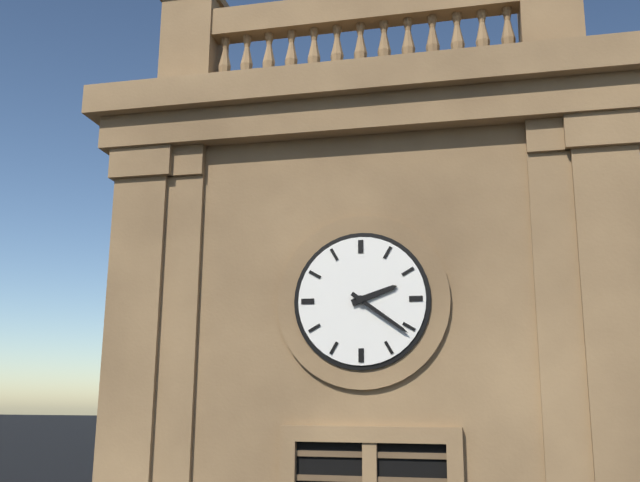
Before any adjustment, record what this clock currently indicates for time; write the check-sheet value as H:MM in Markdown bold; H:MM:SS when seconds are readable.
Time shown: **2:21**
